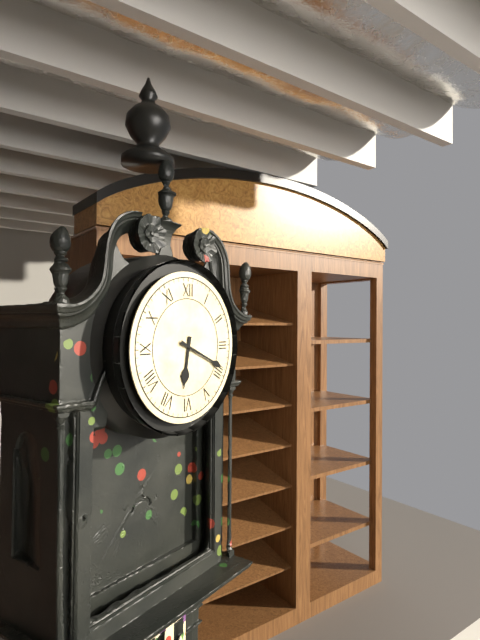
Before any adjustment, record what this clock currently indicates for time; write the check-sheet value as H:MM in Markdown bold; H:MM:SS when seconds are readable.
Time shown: **6:19**
